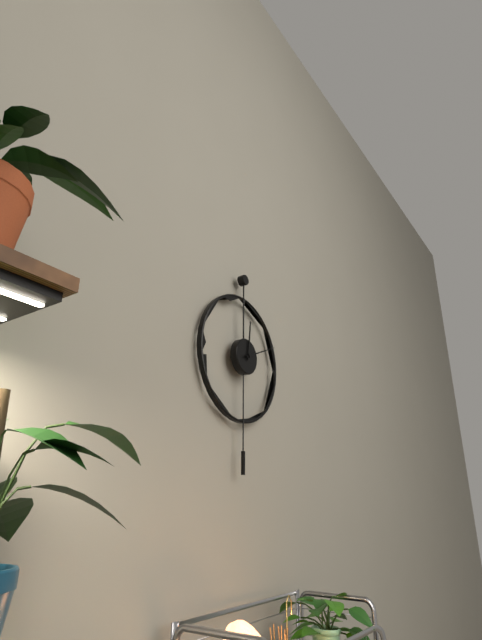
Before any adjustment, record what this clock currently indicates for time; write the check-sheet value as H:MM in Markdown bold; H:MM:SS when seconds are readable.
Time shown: **12:11**
